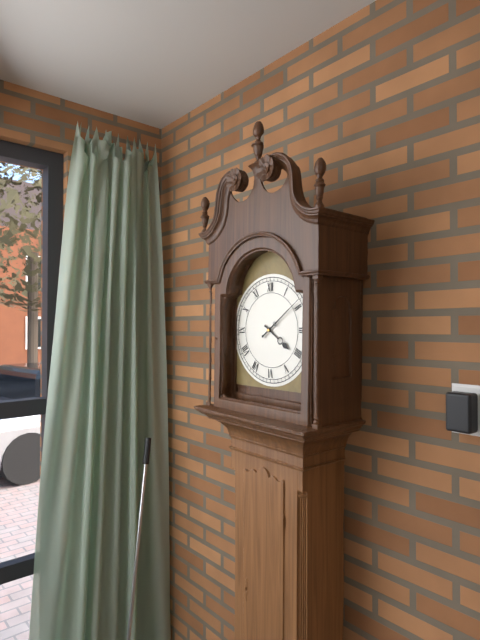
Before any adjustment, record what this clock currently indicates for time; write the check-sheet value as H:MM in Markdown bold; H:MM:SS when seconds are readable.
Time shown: **4:09**
